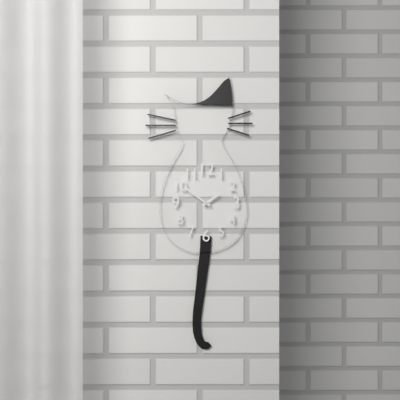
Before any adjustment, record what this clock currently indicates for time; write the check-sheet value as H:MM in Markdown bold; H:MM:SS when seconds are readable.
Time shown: **1:51**
